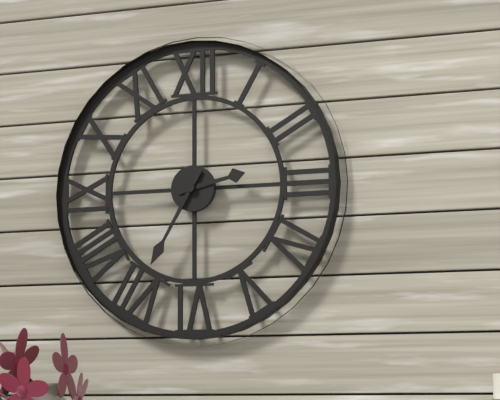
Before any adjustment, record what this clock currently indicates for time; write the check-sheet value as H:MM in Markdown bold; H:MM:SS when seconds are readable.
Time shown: **2:35**
